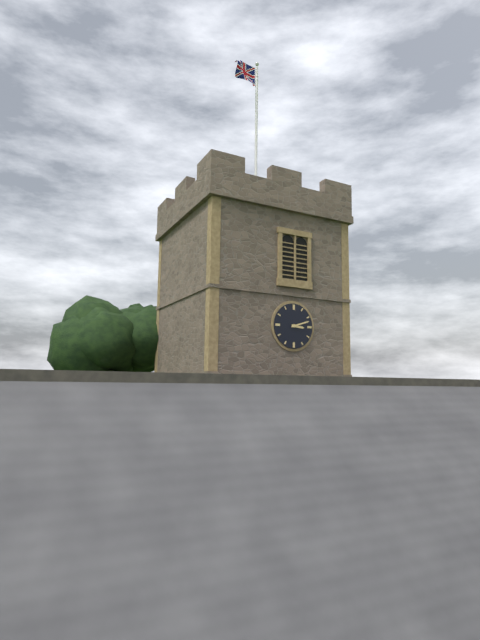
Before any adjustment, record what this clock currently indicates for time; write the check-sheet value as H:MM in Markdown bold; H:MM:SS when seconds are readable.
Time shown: **3:12**
